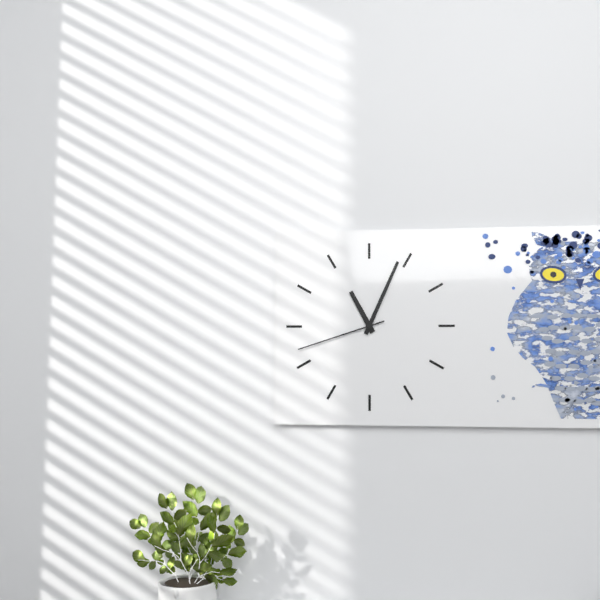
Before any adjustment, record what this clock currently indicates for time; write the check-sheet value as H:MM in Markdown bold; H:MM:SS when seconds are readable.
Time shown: **11:04:42**
